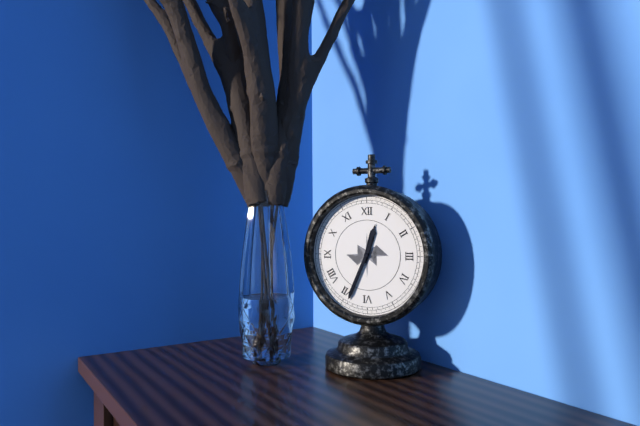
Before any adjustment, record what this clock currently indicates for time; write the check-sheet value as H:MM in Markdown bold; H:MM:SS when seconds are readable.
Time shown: **12:34**
